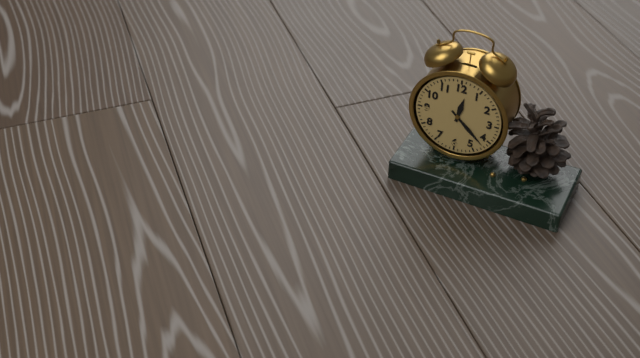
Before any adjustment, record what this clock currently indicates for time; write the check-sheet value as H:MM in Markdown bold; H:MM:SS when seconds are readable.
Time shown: **12:22**
